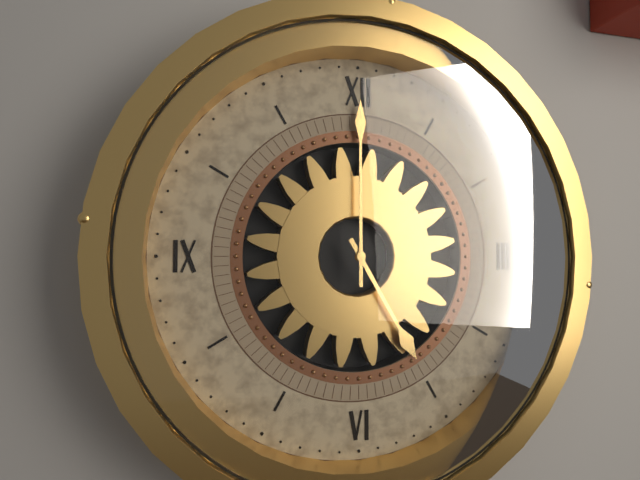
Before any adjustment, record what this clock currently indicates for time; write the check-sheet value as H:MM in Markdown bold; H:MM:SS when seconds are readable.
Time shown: **5:00**
